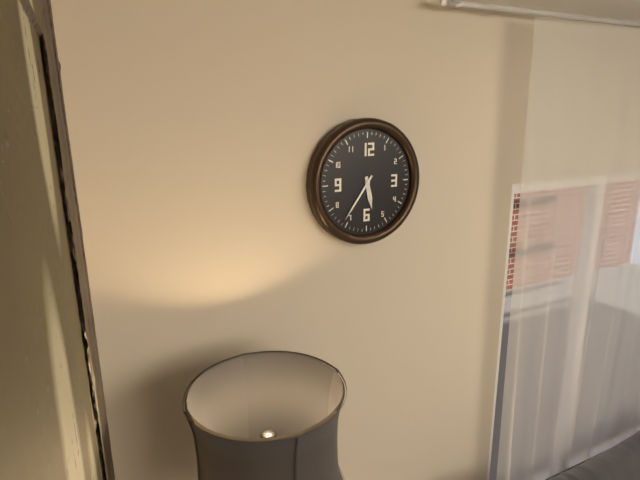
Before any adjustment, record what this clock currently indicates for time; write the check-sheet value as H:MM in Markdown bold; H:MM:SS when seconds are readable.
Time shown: **5:36**
